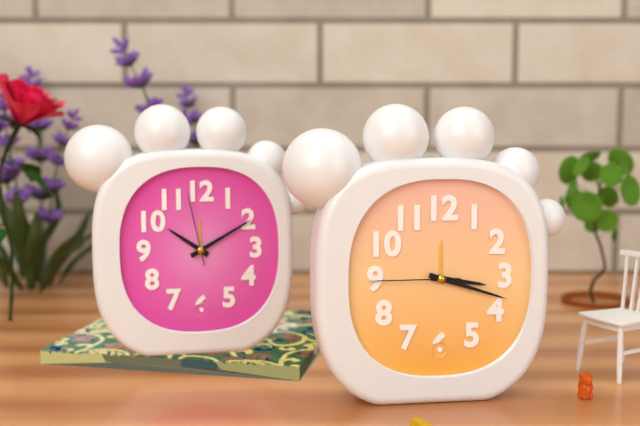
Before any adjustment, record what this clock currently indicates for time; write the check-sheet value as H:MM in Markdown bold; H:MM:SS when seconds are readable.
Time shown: **3:18:45**
